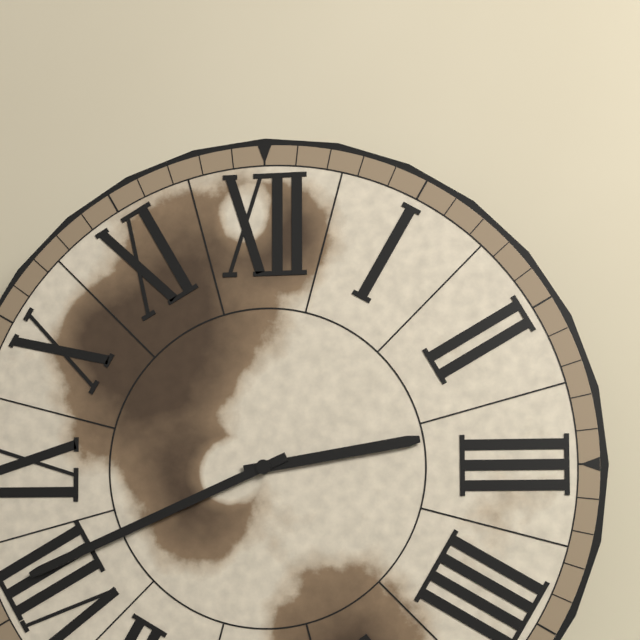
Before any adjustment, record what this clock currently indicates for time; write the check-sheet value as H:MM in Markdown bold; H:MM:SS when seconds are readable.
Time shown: **2:41**
